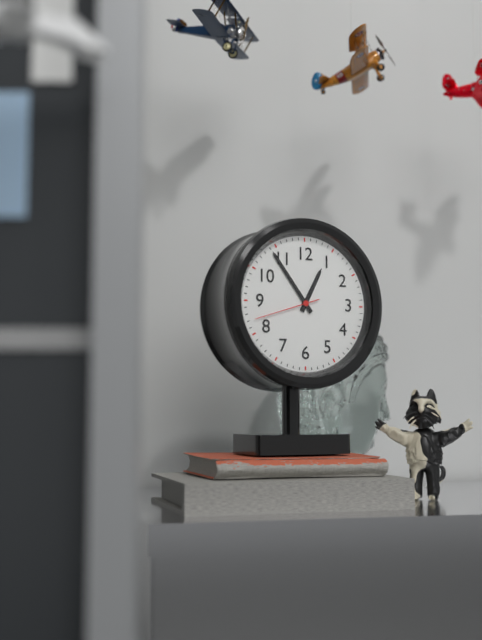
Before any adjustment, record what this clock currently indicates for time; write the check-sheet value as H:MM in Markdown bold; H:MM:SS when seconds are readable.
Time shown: **12:54:42**
